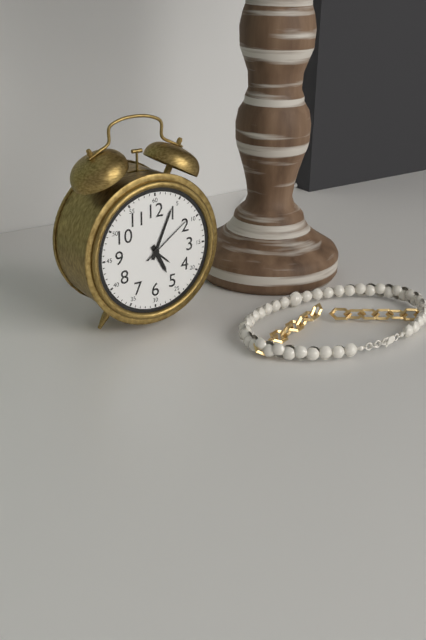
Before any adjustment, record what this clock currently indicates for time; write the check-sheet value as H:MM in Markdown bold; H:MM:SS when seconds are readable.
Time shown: **5:04:09**
